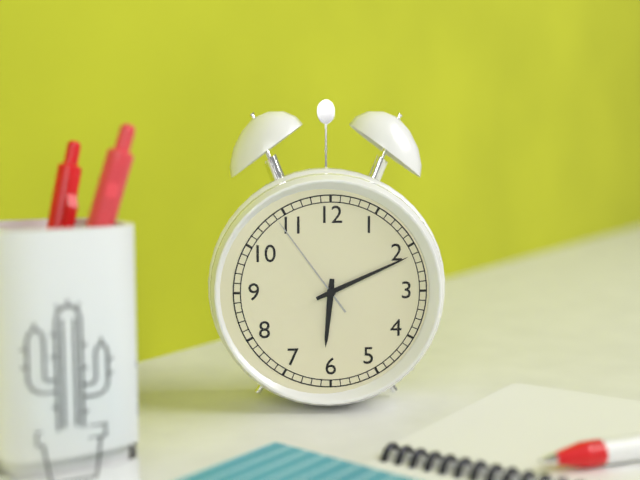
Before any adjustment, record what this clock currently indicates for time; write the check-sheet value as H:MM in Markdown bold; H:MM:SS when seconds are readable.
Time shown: **6:11:54**
